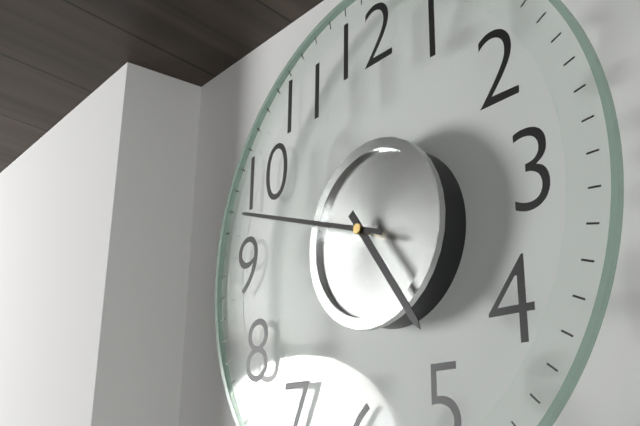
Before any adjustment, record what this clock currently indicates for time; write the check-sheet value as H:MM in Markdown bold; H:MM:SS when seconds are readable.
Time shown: **4:48**
